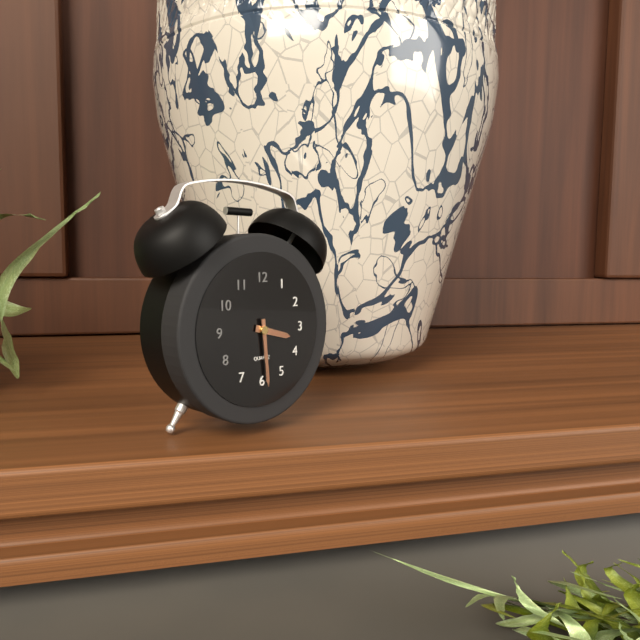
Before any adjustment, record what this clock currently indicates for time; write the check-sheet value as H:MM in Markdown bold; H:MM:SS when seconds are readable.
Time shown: **3:29**
